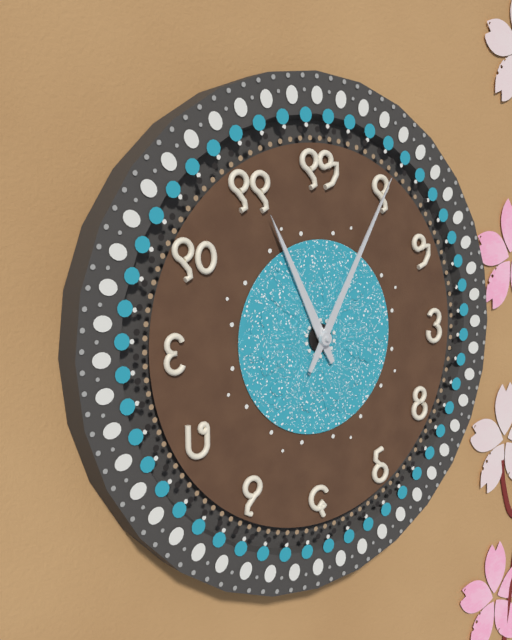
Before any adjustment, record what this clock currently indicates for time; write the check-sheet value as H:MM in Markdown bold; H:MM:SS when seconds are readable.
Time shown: **11:05**
